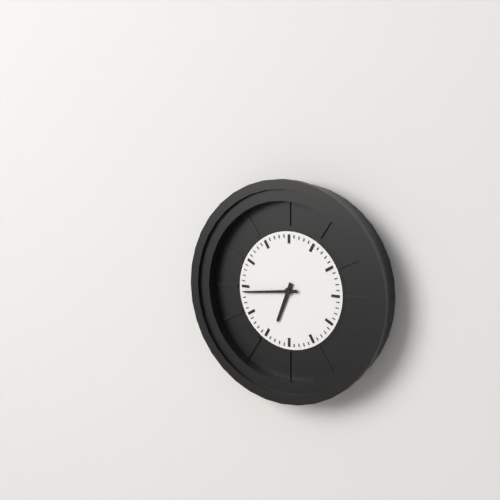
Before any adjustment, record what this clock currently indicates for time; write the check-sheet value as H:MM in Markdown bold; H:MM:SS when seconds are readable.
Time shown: **6:44**
